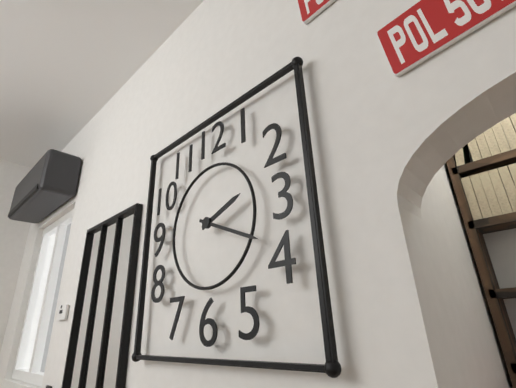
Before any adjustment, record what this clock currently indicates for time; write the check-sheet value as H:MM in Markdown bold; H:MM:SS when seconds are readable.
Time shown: **2:19**
